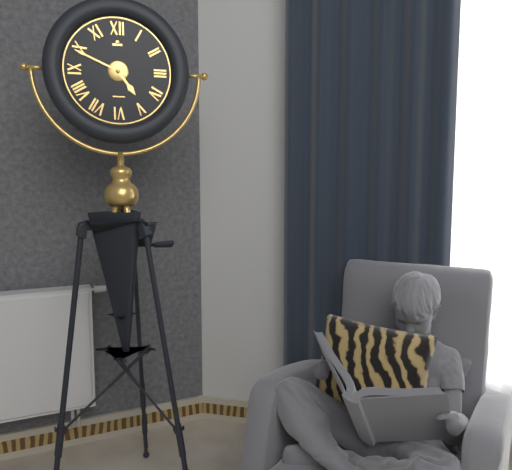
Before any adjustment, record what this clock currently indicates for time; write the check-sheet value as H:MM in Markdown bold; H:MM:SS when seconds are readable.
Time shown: **4:49**
